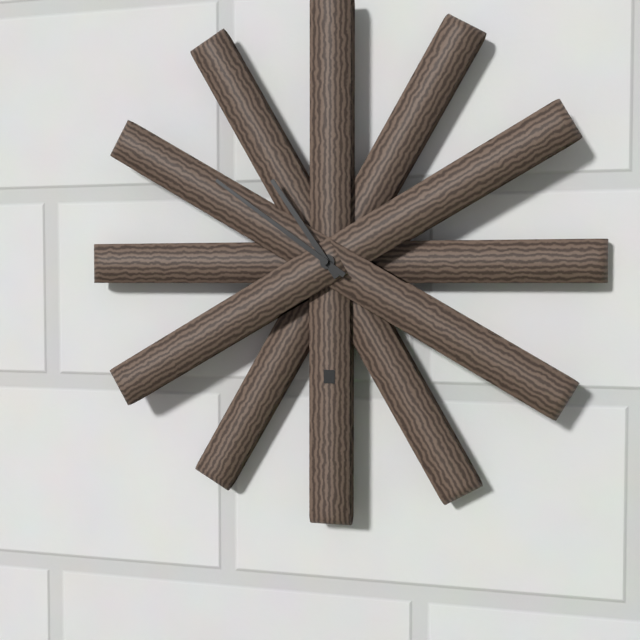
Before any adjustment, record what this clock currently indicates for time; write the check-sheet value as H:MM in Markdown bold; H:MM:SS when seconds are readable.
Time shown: **10:51**
